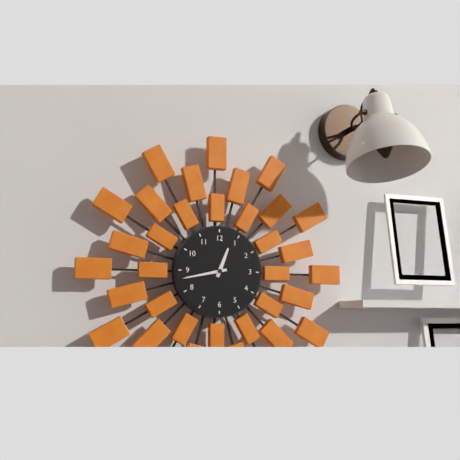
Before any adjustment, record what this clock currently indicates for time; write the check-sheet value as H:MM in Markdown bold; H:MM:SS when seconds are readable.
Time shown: **12:43**
